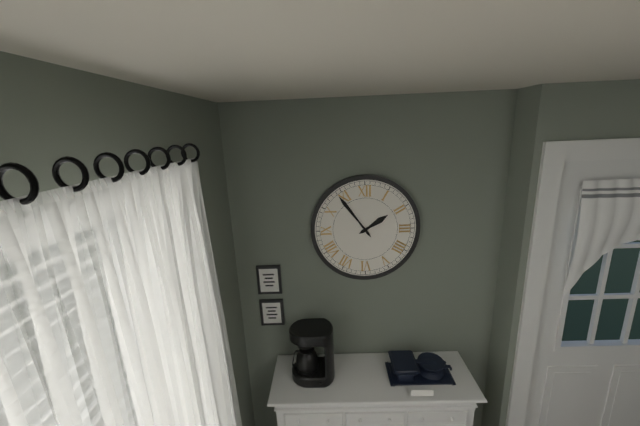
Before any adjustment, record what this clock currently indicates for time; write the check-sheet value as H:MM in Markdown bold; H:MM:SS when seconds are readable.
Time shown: **1:54**
